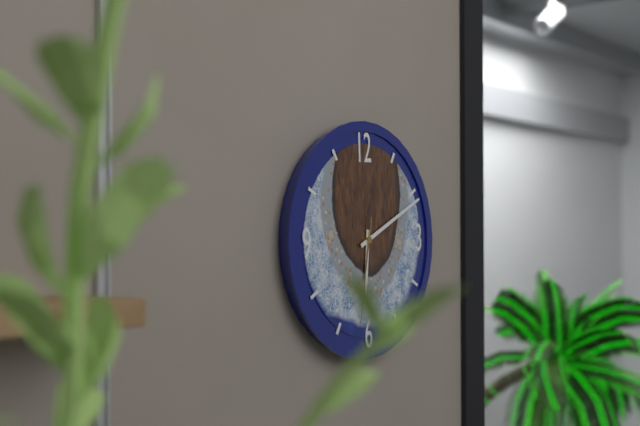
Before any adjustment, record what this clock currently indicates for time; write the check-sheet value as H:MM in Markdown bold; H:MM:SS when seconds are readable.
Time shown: **6:11**
